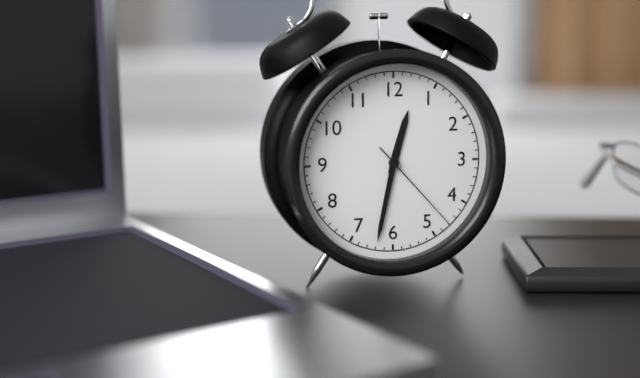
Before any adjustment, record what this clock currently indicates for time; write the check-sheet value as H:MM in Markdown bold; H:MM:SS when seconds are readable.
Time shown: **12:32:23**
